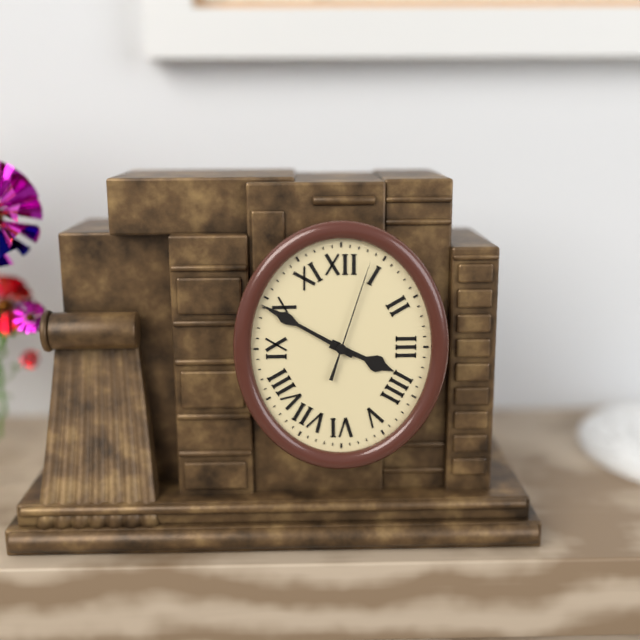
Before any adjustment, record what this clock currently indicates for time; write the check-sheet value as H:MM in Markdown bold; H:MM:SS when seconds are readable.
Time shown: **3:50:03**
